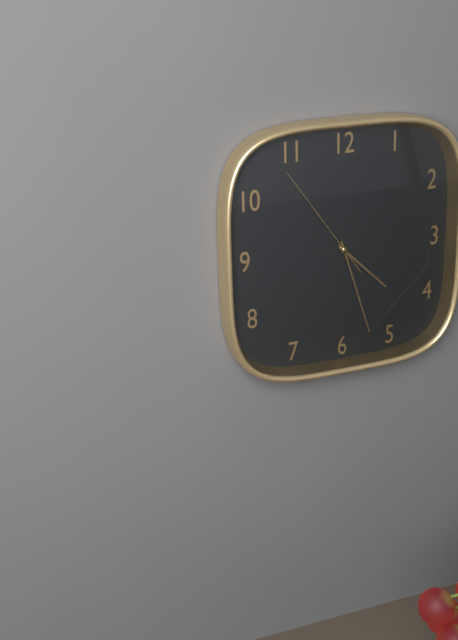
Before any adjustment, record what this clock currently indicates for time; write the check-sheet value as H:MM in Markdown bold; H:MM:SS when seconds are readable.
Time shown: **4:27:54**
